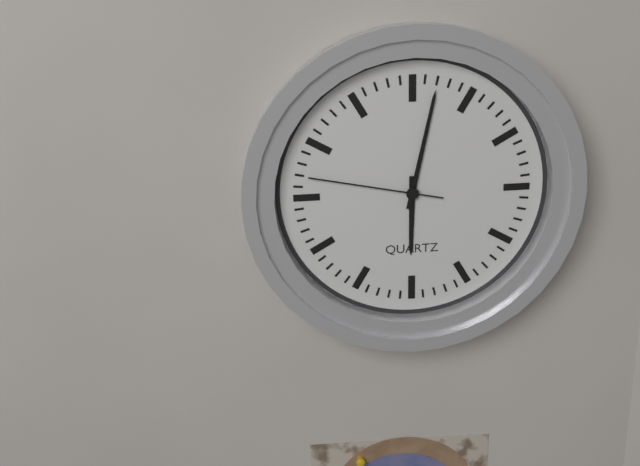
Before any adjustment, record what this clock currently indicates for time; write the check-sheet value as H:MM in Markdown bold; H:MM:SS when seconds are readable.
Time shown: **6:02:47**
